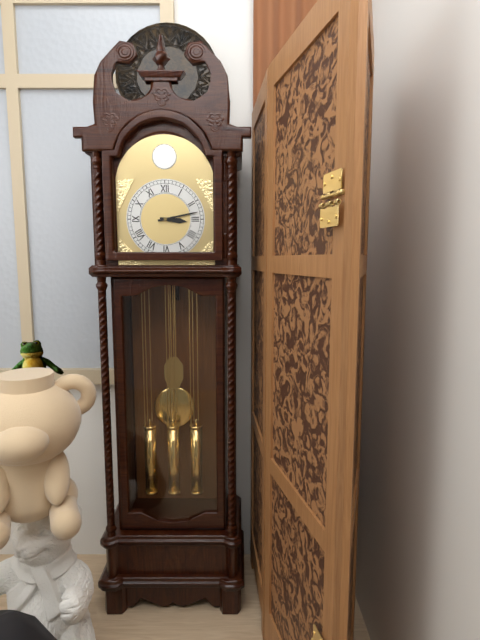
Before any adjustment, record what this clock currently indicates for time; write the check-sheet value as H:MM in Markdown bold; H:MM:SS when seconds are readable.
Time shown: **3:13**
